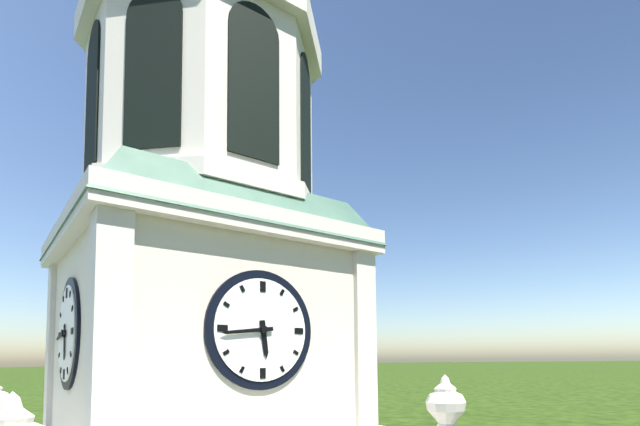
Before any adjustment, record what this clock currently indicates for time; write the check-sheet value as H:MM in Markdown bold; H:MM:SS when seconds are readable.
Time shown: **5:44**
